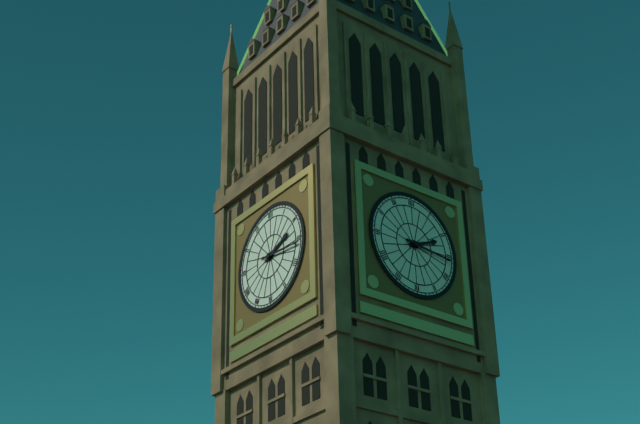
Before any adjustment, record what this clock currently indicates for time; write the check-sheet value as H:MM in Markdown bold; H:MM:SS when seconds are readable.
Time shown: **2:16**
